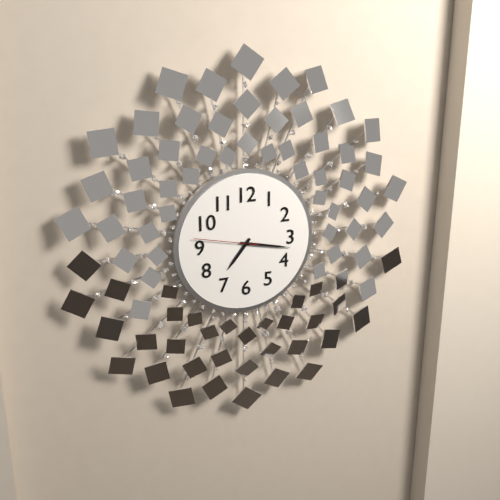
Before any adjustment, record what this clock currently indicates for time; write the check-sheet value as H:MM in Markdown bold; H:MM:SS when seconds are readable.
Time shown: **7:17:47**
